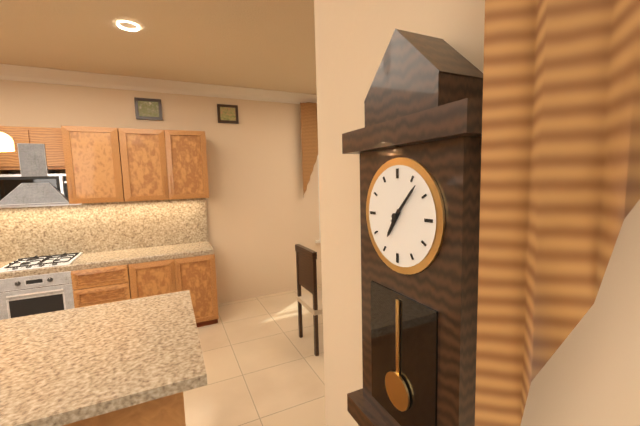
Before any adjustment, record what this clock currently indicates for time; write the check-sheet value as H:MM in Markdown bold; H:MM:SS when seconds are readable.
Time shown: **7:07**
